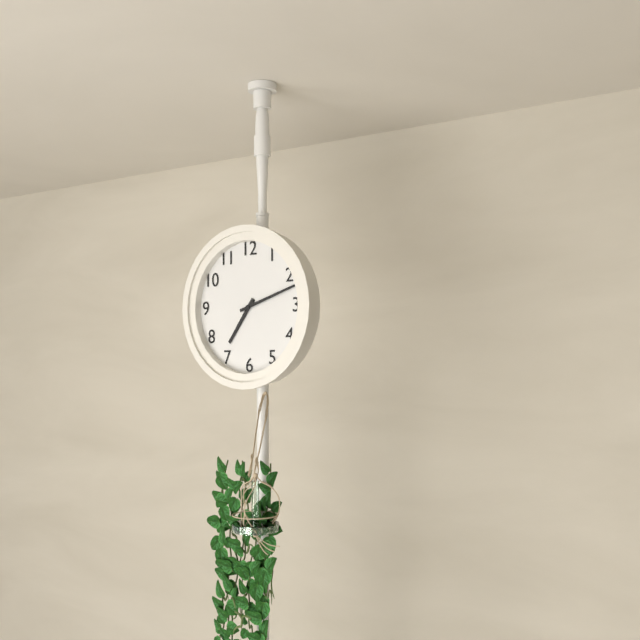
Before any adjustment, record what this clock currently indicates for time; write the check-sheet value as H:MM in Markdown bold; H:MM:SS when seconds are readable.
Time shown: **7:12**
